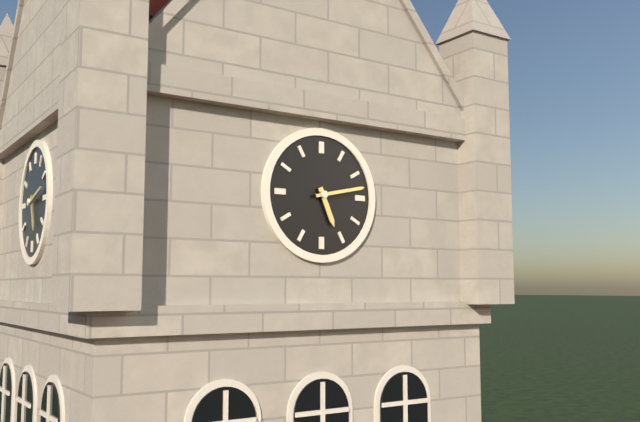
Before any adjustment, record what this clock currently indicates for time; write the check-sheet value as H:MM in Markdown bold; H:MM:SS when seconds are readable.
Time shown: **5:13**
